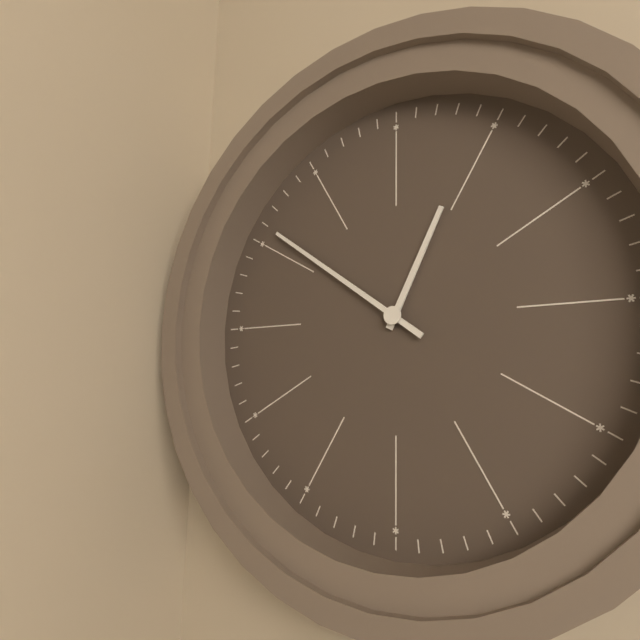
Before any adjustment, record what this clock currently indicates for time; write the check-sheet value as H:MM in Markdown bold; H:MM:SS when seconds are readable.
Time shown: **12:51**
